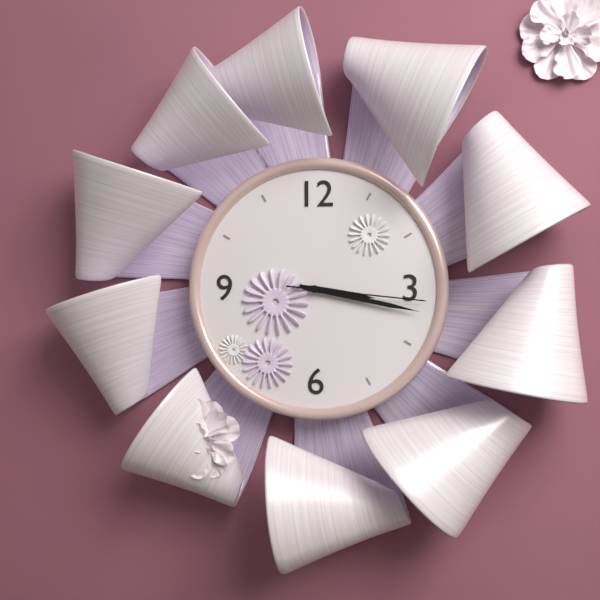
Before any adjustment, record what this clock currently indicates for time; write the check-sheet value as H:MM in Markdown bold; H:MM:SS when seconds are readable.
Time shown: **3:17:16**
